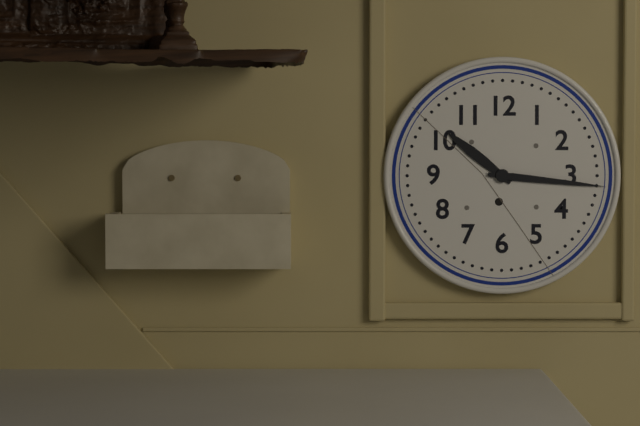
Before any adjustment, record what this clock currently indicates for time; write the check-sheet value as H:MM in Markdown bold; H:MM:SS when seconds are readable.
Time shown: **10:16**
